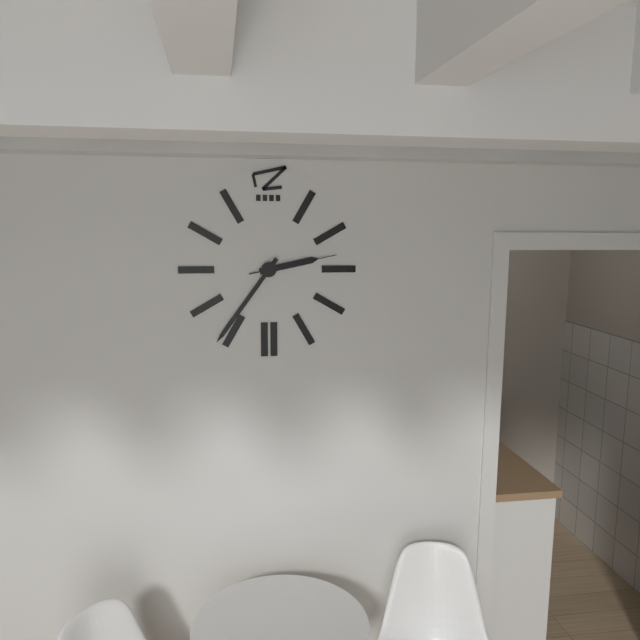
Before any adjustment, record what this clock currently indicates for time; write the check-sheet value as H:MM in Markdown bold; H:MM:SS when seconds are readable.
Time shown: **2:36:13**
